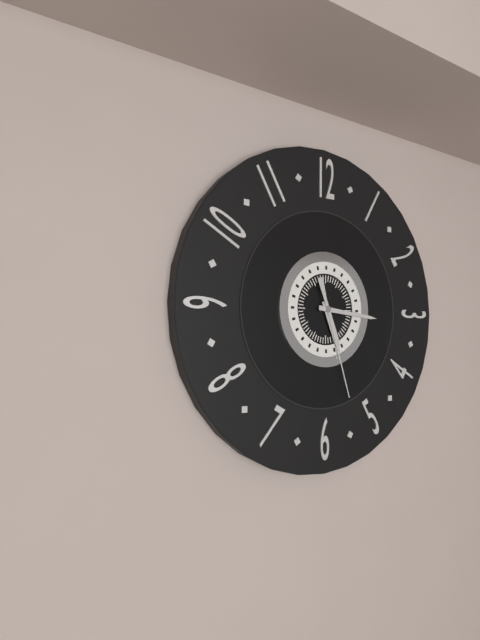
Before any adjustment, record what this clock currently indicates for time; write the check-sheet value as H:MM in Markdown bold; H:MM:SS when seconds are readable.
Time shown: **5:16:27**
